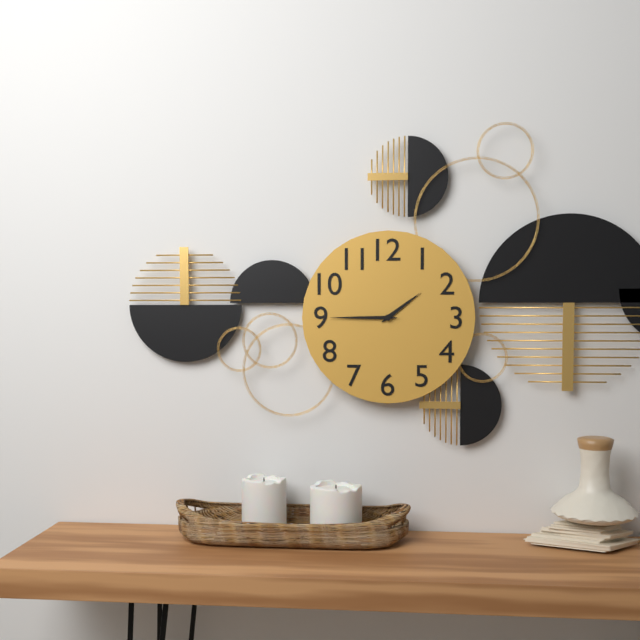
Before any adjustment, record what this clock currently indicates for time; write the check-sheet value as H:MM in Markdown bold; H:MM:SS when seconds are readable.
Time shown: **1:45**
